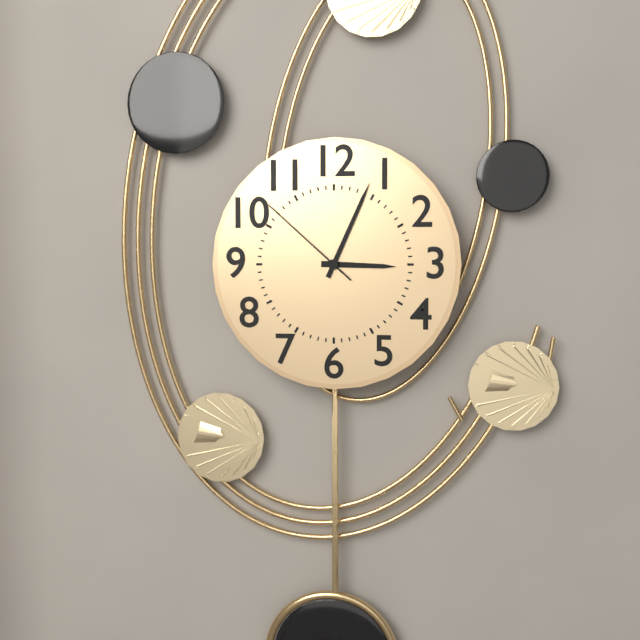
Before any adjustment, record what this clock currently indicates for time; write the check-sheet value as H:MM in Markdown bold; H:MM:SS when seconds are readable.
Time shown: **3:04:52**
